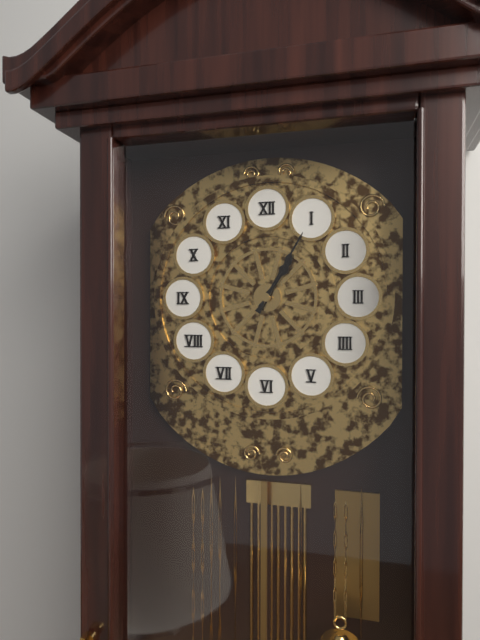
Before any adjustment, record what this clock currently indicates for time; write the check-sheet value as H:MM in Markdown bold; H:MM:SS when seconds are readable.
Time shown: **1:05**
